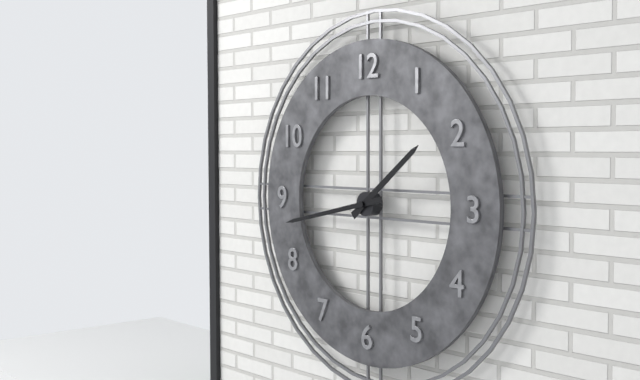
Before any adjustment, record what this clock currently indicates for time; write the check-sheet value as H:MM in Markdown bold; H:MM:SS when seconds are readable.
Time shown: **1:43**
